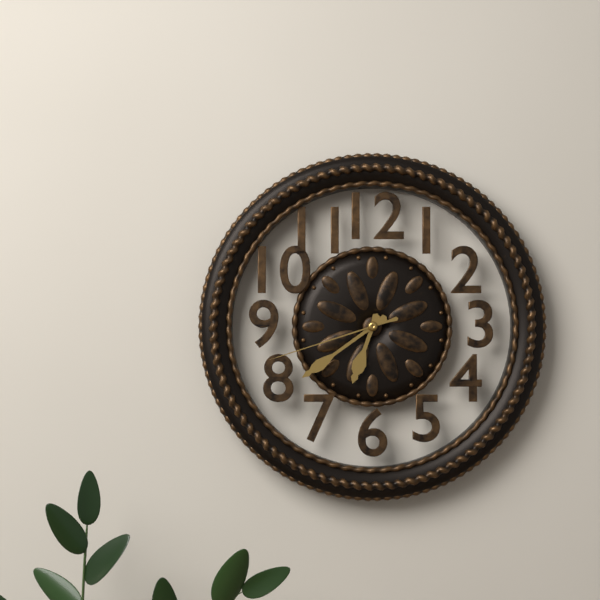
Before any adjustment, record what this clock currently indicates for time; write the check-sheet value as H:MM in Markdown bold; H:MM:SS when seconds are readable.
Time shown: **6:39:42**
